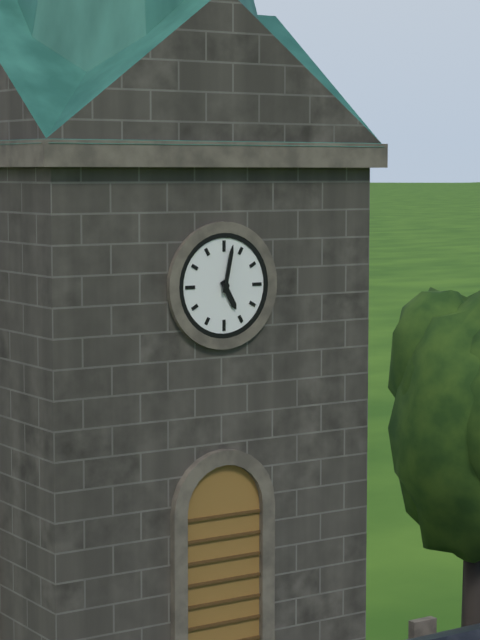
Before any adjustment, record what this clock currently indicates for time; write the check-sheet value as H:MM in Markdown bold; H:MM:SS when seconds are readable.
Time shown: **5:02**
